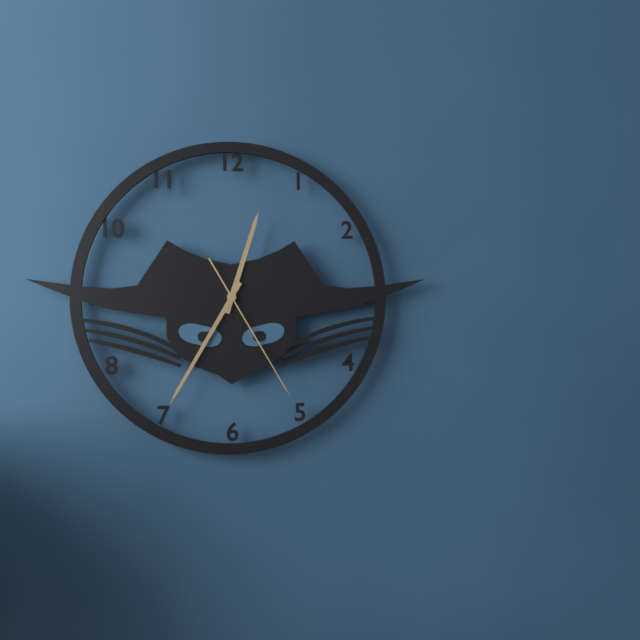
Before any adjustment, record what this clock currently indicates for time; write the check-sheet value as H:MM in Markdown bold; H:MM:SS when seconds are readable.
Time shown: **12:35:25**
